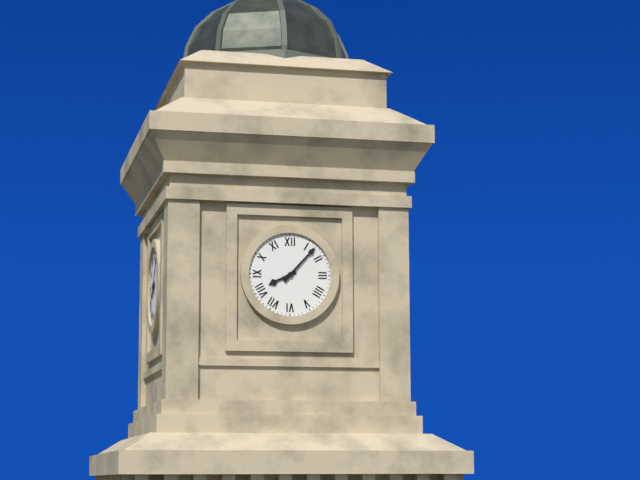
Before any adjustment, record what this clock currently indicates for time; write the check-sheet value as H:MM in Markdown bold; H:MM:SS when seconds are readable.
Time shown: **8:07**
